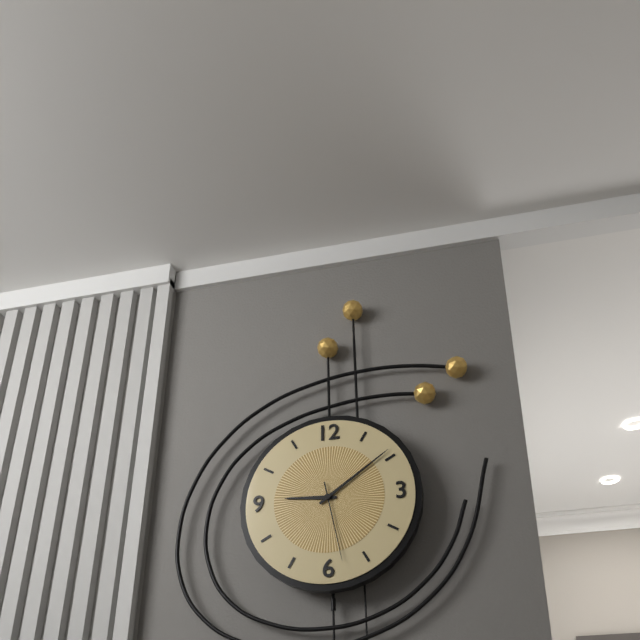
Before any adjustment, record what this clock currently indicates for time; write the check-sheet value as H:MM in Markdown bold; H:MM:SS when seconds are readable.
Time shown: **9:09:28**
